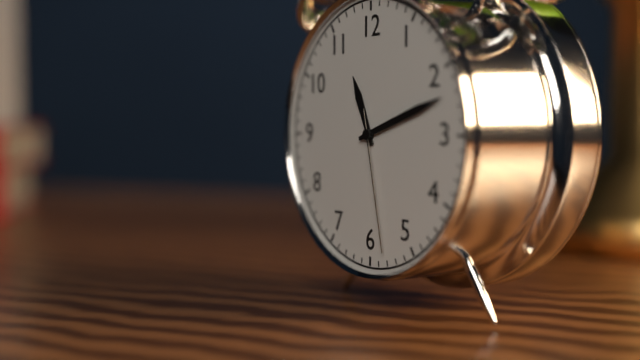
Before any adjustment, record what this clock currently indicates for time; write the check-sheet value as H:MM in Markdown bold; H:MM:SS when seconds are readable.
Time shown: **11:12:28**
